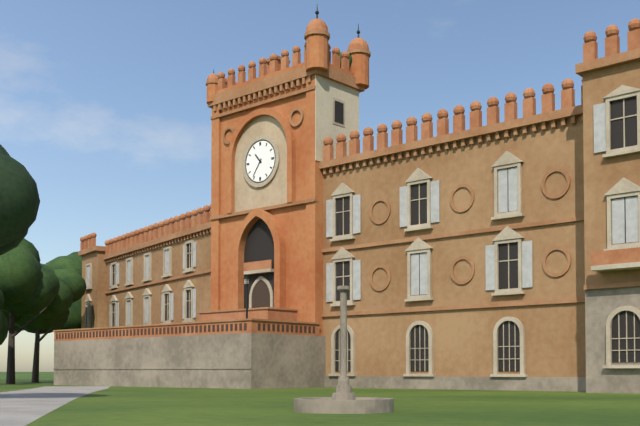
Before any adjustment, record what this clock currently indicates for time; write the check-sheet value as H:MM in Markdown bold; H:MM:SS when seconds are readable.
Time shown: **10:36**
